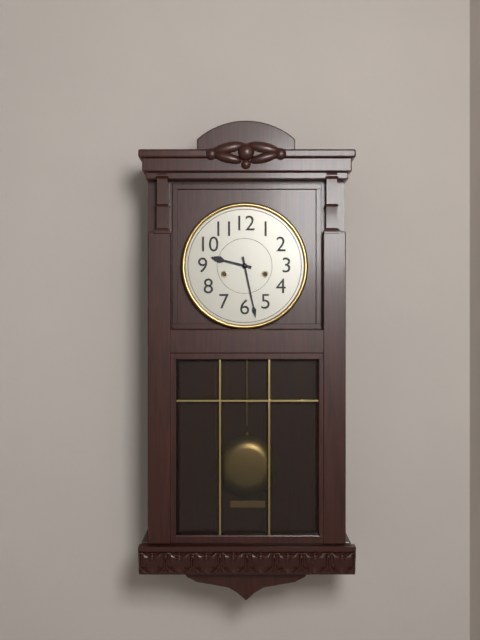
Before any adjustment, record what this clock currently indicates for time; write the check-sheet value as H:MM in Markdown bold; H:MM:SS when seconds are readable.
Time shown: **9:28**
